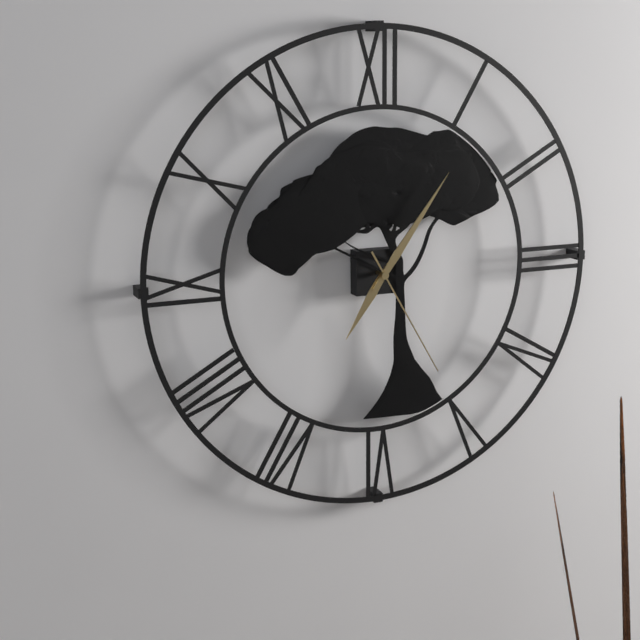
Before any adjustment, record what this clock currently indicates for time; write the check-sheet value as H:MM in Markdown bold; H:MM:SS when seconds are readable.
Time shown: **7:06:25**
